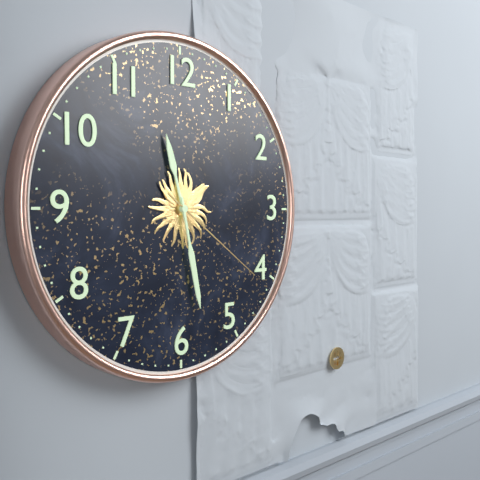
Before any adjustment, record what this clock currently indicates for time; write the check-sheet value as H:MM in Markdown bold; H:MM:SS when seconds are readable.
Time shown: **11:28:21**
